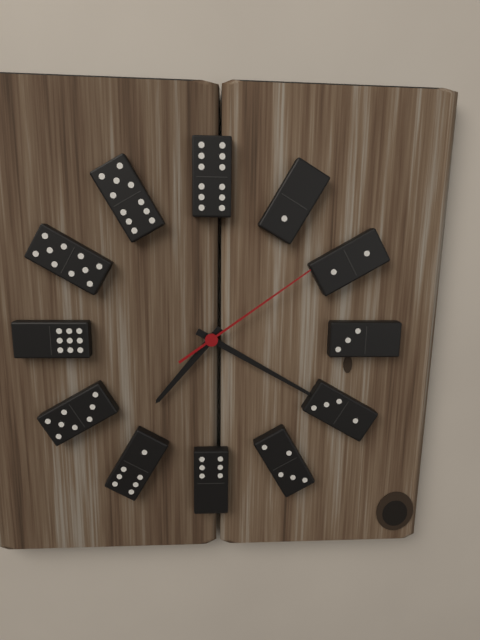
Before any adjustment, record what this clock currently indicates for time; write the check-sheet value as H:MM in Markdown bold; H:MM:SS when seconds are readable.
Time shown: **7:20:09**
